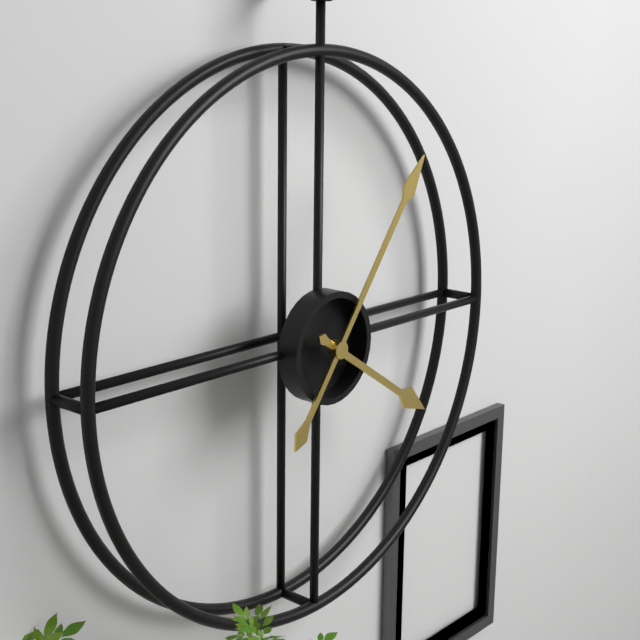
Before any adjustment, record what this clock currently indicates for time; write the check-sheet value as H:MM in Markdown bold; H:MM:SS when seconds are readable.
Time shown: **4:06**
